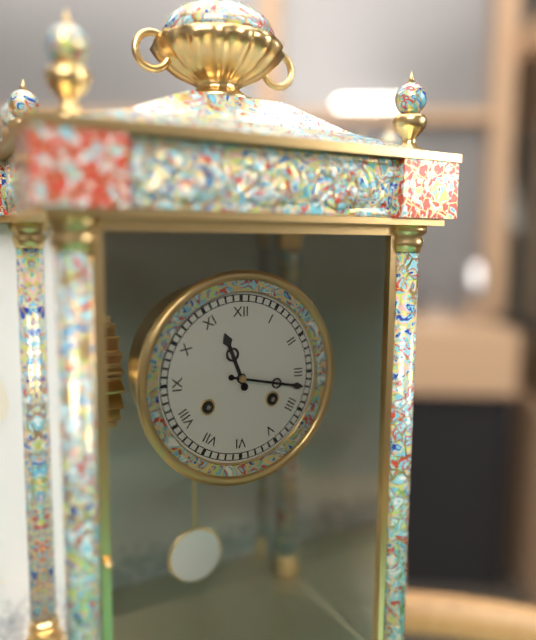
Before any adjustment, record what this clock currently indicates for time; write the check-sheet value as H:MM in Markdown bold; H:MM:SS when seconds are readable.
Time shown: **11:17**
